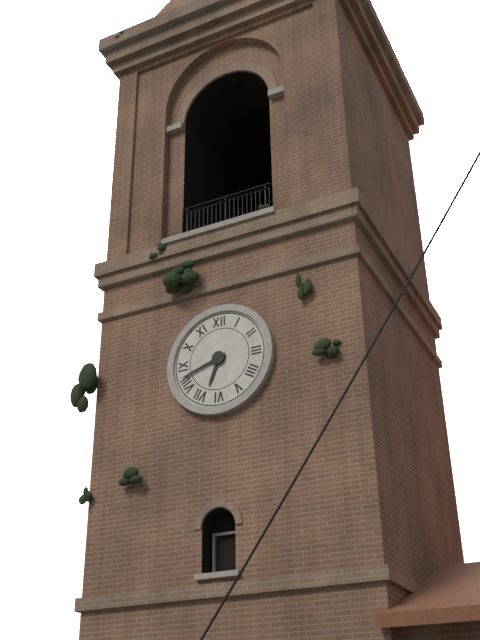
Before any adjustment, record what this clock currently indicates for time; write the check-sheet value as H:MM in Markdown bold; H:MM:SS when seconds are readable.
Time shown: **6:42**
